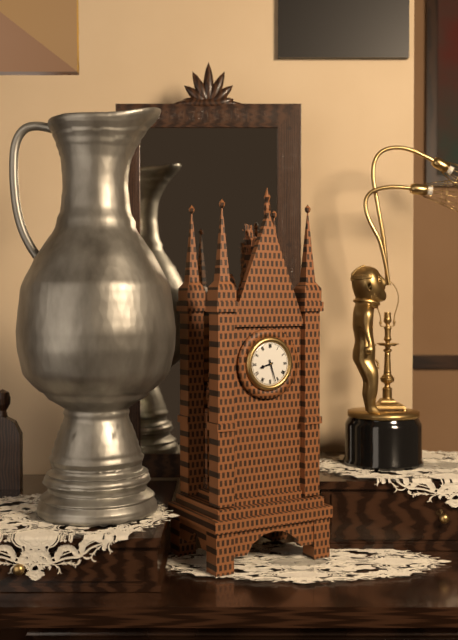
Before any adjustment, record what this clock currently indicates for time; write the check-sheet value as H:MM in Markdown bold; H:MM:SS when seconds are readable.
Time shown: **8:27**
